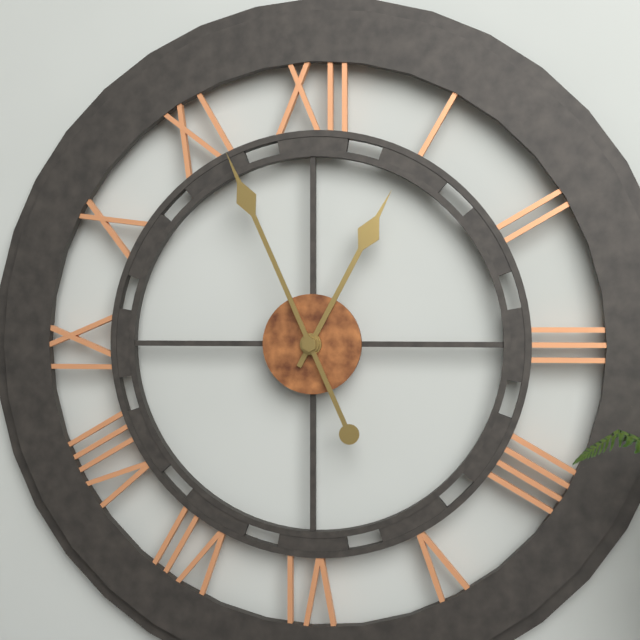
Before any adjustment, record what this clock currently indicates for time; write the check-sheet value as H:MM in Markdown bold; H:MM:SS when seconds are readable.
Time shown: **12:56**
